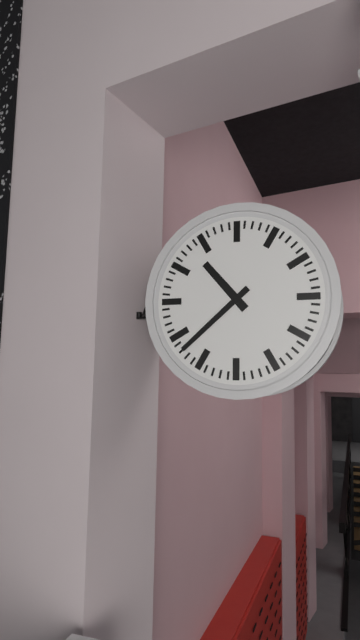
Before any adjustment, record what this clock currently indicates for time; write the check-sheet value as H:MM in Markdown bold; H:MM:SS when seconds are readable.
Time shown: **10:38**
